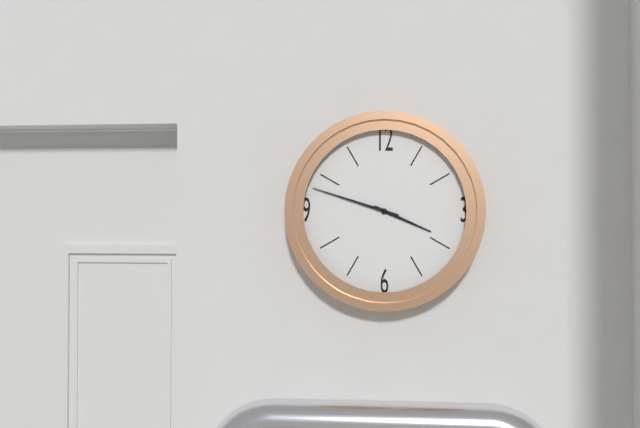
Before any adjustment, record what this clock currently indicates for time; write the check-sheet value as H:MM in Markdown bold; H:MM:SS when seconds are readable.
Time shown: **3:48**
